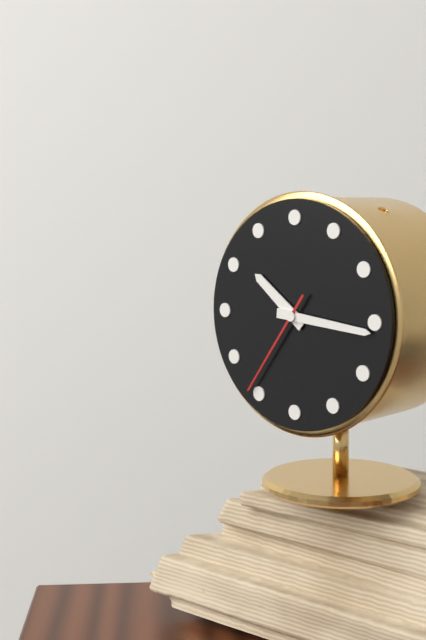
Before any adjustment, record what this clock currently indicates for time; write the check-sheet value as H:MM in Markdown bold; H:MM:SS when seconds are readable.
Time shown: **10:16:36**
